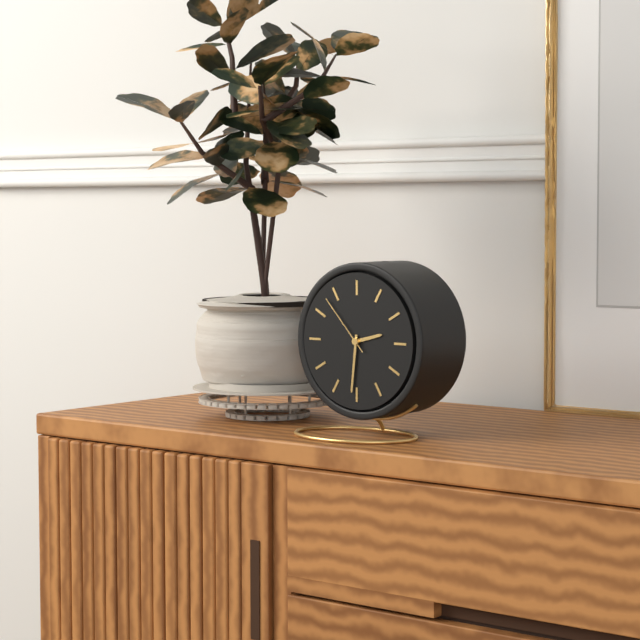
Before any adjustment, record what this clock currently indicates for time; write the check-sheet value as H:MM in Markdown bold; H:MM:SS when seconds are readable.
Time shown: **2:31:53**
